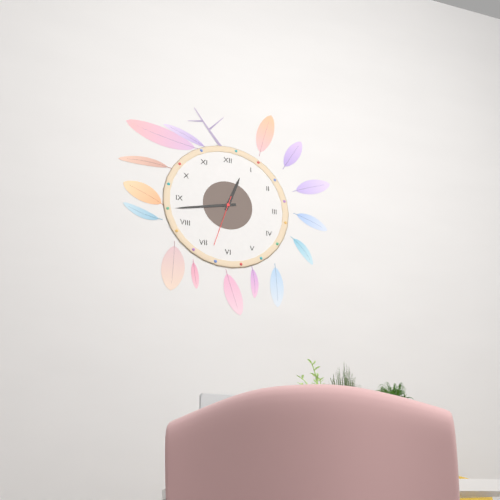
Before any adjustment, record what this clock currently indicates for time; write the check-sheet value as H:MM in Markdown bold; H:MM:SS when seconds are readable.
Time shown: **12:43:33**
